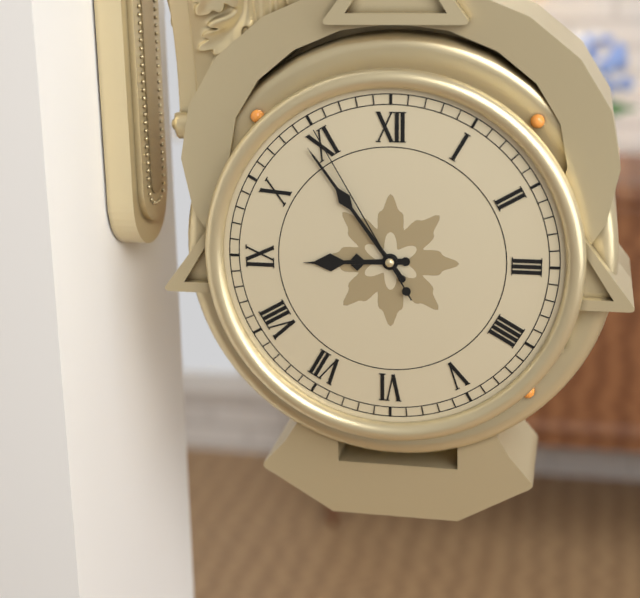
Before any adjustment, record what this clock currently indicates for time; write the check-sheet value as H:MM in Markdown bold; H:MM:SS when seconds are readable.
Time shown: **8:54:55**
